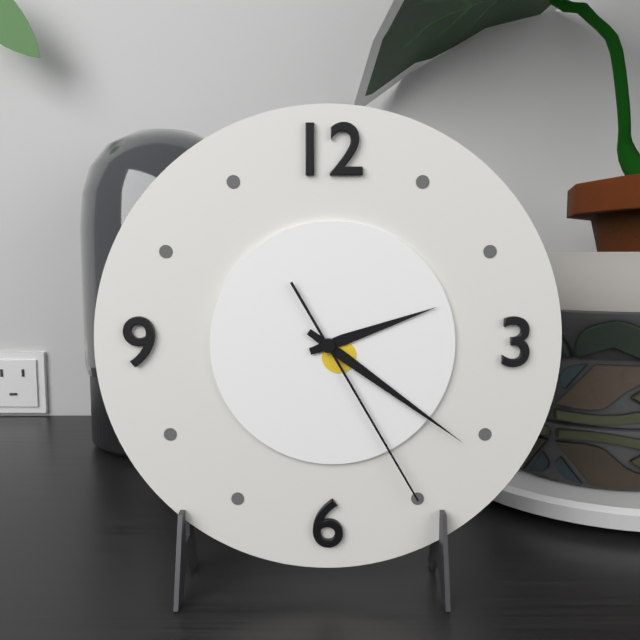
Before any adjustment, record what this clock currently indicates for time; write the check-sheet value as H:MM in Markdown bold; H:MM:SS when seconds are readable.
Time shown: **2:21:25**
